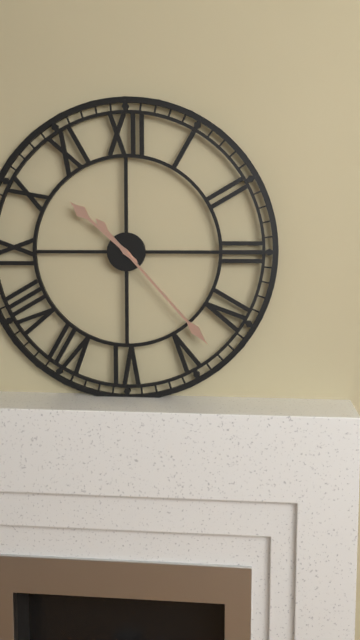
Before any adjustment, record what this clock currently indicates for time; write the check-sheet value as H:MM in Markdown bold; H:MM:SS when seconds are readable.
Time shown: **10:23**
